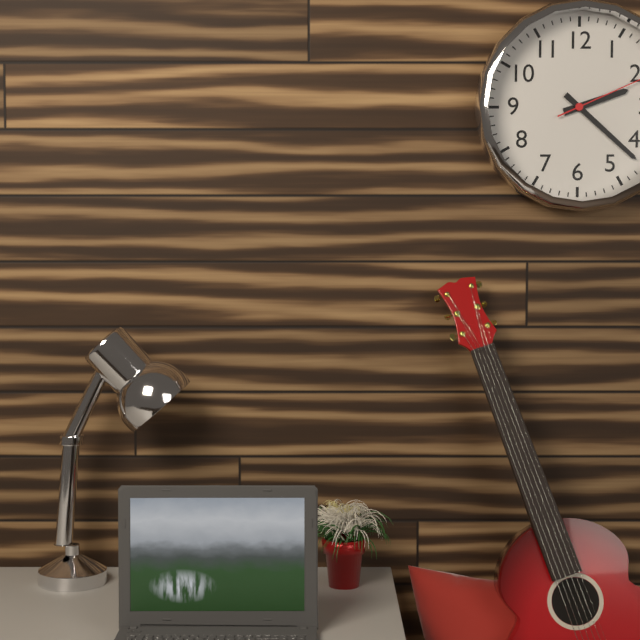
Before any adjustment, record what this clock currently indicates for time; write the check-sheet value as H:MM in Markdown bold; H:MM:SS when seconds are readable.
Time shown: **2:22**
